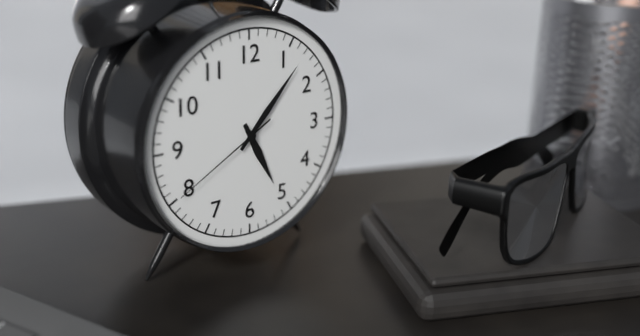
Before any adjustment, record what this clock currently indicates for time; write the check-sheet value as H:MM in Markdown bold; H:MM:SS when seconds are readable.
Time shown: **5:07:40**
